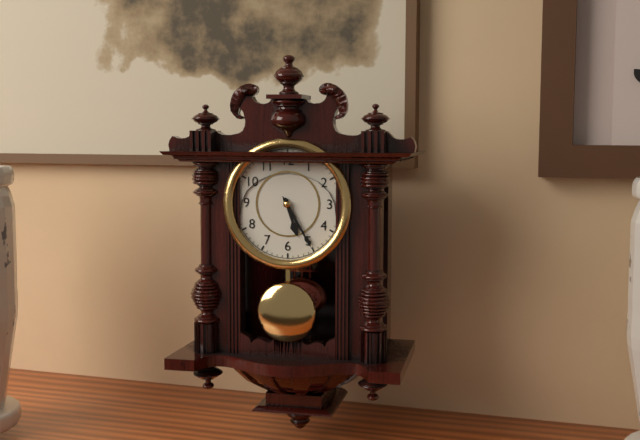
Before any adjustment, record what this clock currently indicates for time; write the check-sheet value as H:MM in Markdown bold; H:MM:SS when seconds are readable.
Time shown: **5:25**
